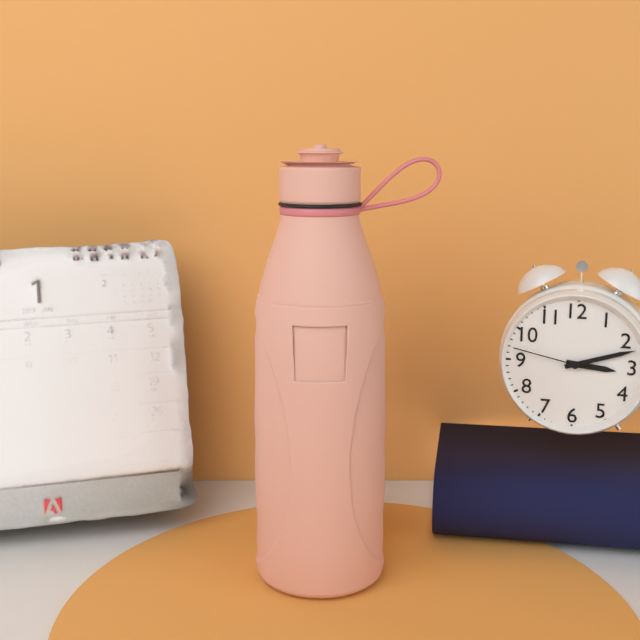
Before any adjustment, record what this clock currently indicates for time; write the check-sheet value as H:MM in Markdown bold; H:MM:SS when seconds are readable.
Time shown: **3:12:47**
